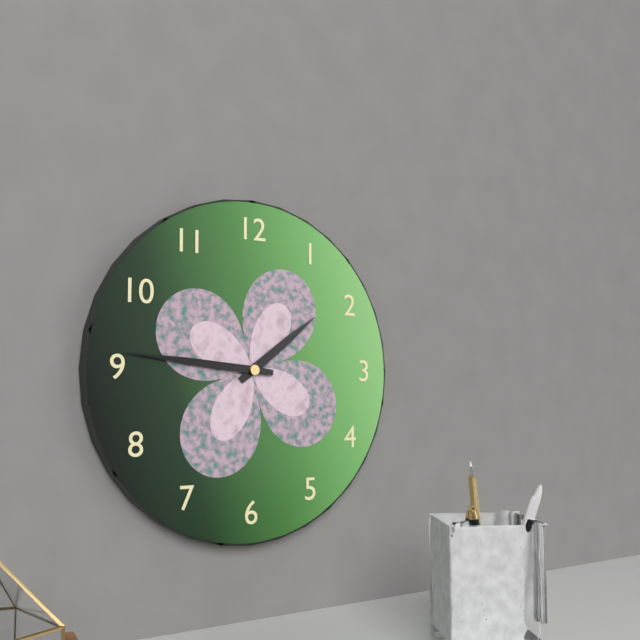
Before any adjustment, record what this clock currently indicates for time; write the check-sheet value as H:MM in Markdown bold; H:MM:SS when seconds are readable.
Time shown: **1:46**
